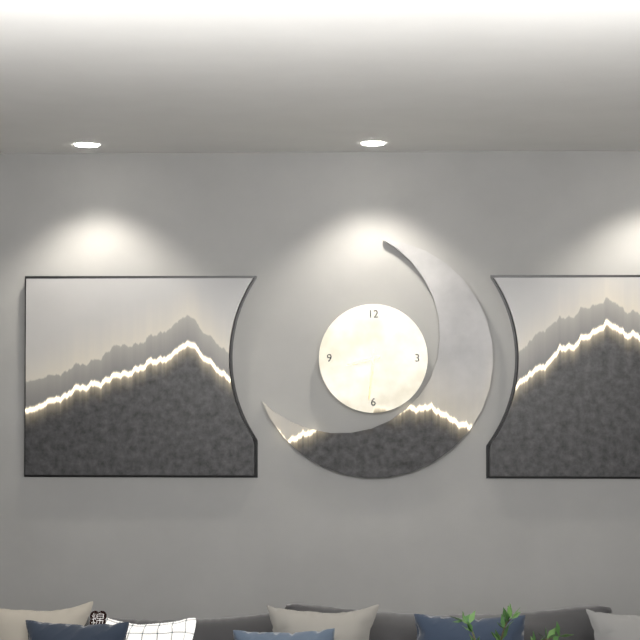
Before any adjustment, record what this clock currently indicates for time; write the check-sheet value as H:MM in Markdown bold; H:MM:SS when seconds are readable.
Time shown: **8:31**
